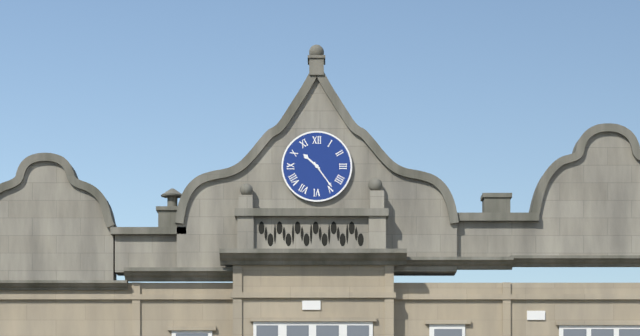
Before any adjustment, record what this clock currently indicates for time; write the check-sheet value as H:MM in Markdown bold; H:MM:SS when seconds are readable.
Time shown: **10:24**
